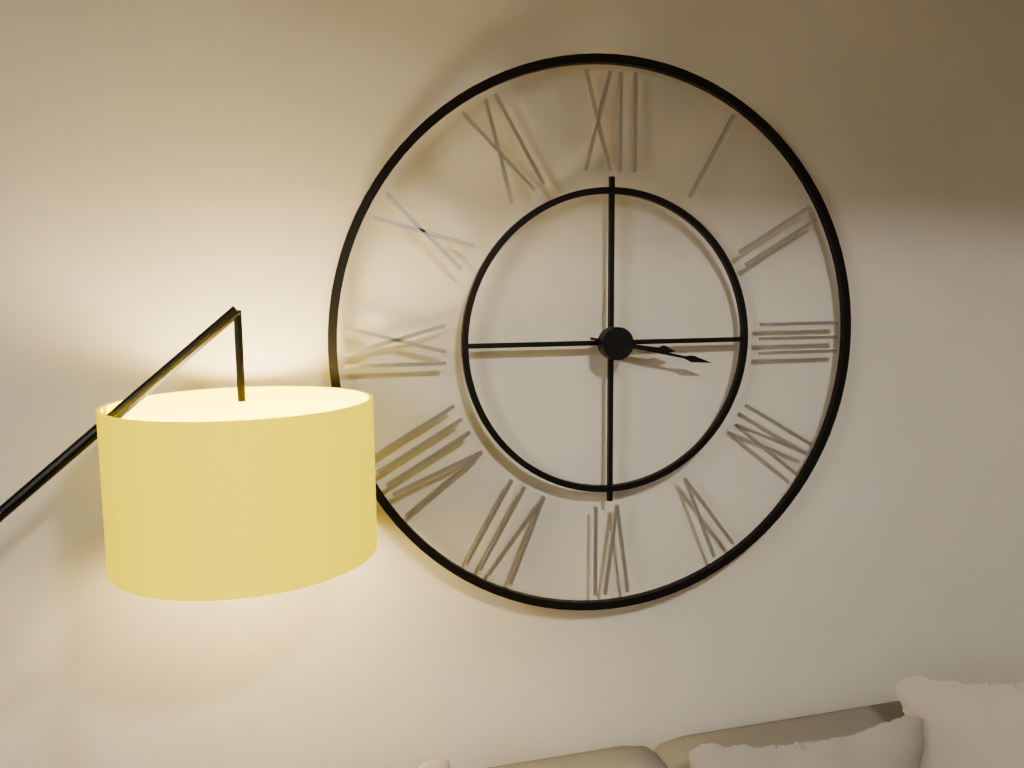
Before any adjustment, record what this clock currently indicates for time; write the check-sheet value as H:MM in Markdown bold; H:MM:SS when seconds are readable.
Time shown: **3:17**
